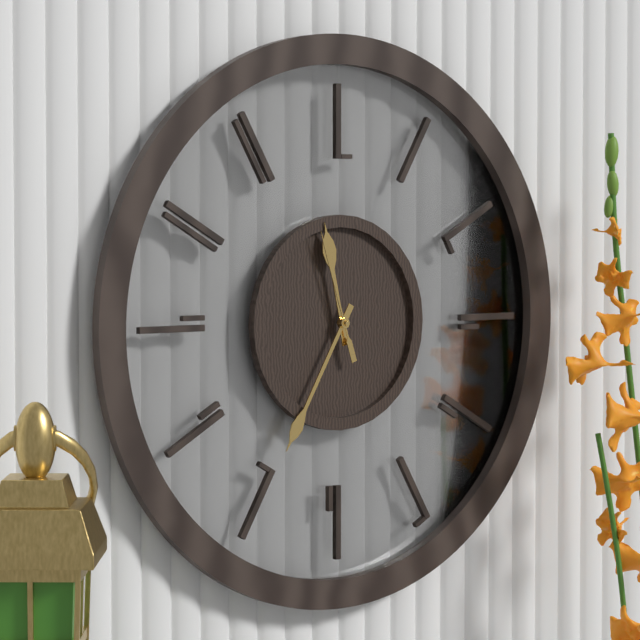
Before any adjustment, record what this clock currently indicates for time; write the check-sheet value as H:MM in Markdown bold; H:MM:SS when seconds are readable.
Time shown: **11:35:57**
